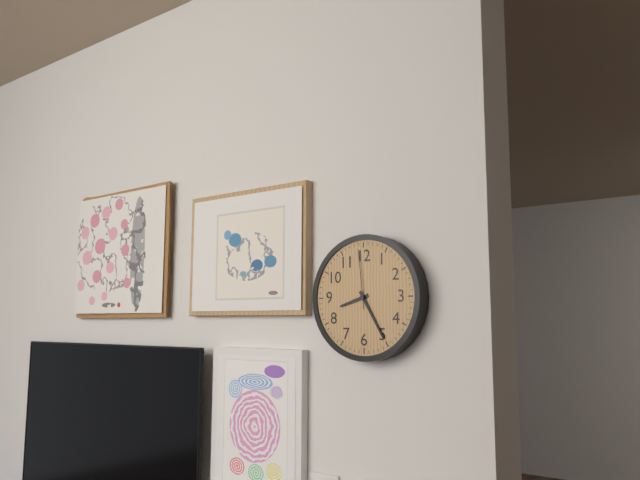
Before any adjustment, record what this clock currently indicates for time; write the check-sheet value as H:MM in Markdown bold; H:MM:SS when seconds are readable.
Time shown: **8:25:59**
